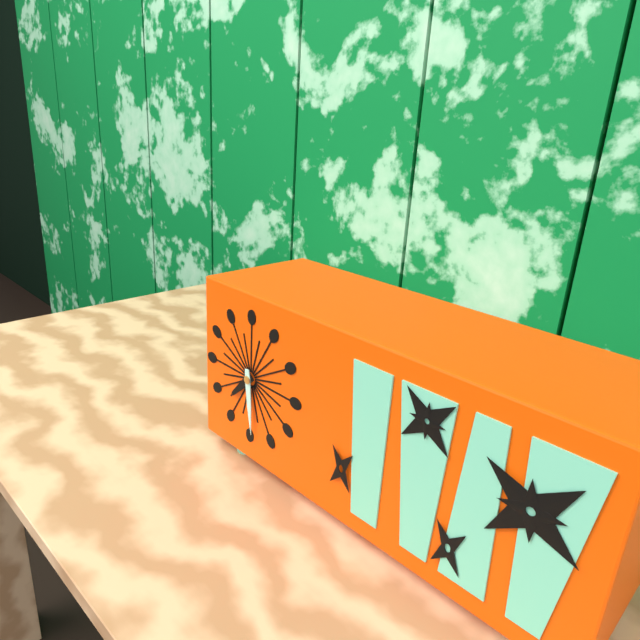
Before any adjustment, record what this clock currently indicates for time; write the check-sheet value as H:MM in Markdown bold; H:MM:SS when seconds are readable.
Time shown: **7:29**
